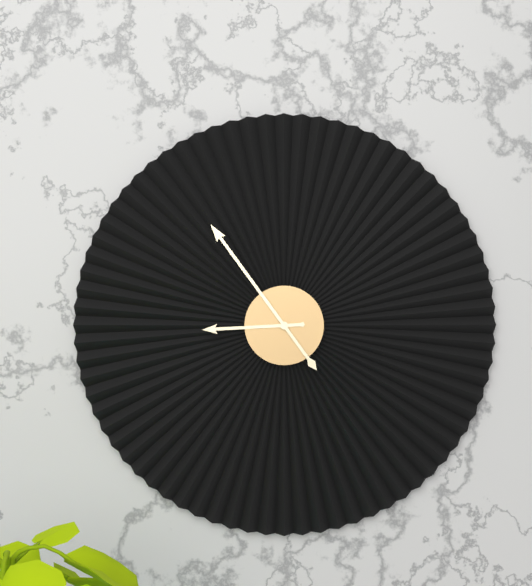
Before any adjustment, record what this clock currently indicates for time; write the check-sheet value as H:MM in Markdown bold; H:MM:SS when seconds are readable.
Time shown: **8:54**
